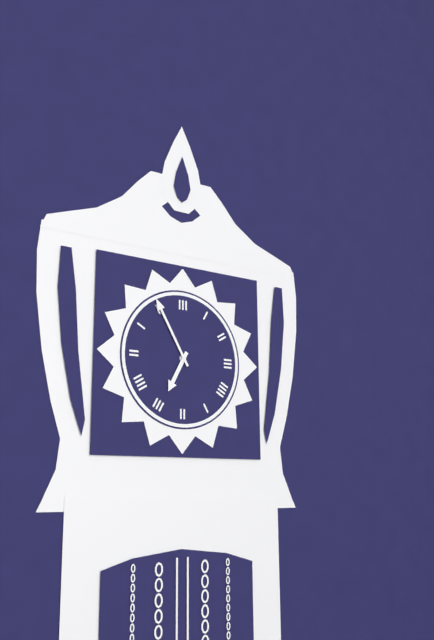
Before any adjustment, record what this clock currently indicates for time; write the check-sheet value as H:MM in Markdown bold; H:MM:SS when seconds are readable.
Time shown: **6:55**
